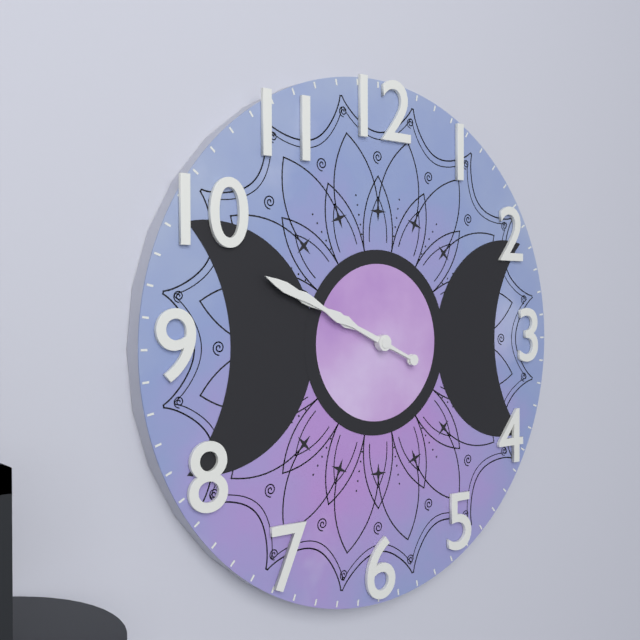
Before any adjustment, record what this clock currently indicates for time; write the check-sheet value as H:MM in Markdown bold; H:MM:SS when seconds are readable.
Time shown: **9:49**
